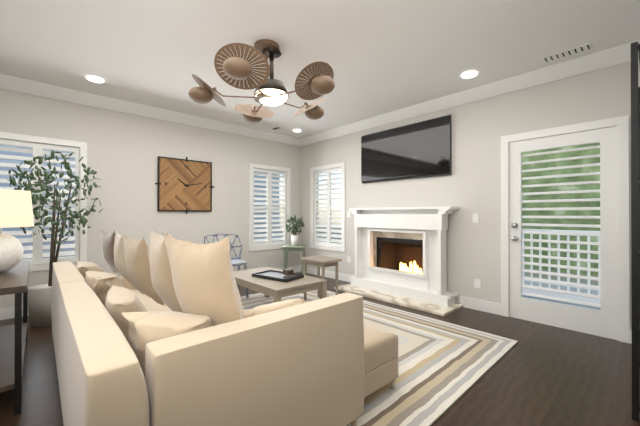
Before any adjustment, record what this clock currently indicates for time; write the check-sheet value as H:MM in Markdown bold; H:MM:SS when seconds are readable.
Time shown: **10:13**
